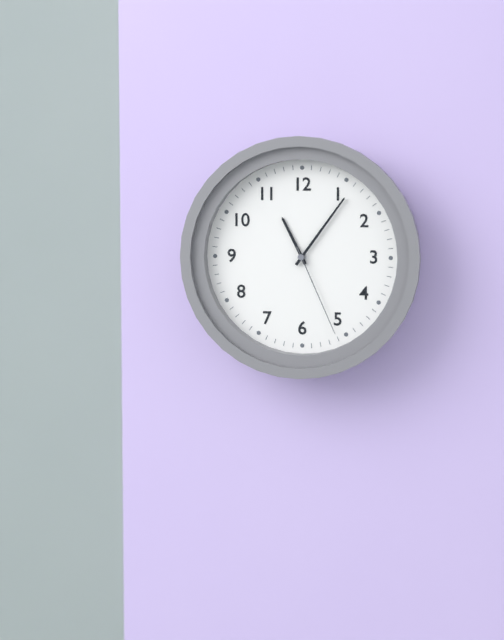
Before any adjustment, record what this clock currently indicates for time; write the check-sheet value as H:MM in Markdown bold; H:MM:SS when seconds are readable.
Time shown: **11:06:26**
